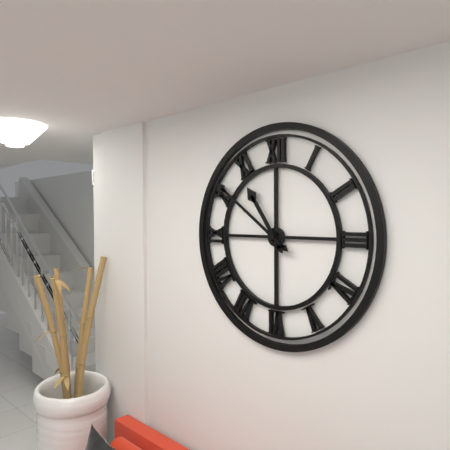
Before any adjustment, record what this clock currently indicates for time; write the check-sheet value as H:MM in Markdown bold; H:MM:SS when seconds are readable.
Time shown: **10:51**
